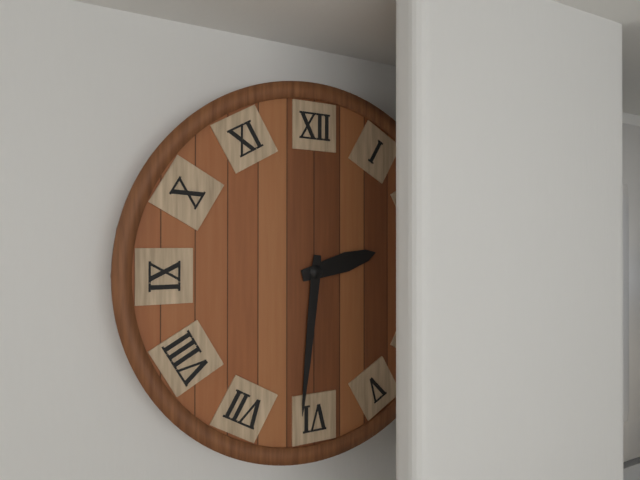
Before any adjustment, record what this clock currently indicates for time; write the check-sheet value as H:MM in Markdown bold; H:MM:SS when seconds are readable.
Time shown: **2:31**
